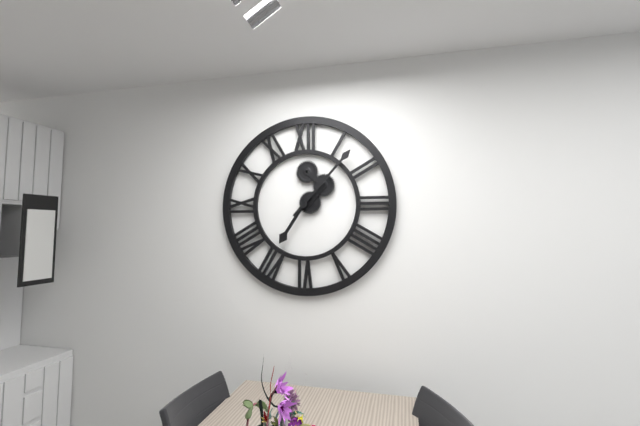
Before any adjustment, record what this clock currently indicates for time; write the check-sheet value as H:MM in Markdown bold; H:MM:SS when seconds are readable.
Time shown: **7:07**
